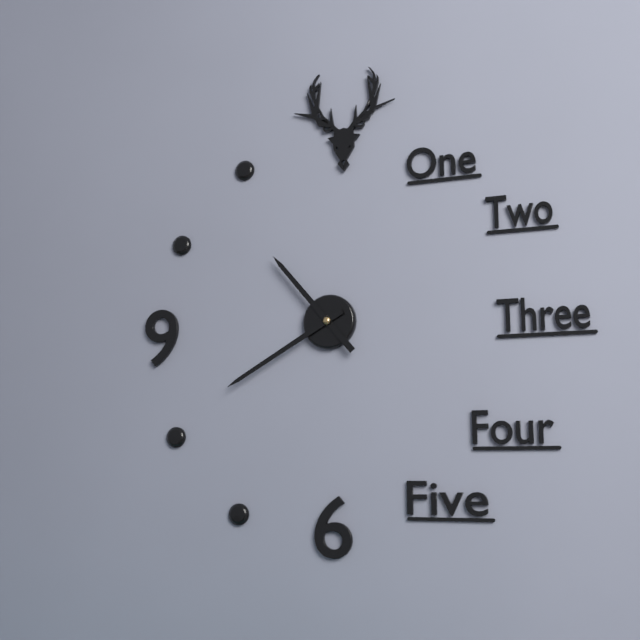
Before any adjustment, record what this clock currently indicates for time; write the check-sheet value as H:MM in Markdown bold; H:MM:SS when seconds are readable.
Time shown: **10:40**
